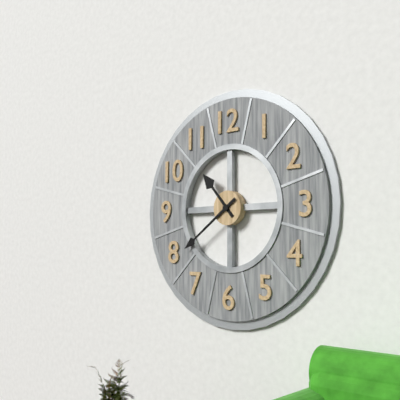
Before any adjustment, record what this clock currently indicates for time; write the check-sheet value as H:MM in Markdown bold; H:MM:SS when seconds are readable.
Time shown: **10:39**
